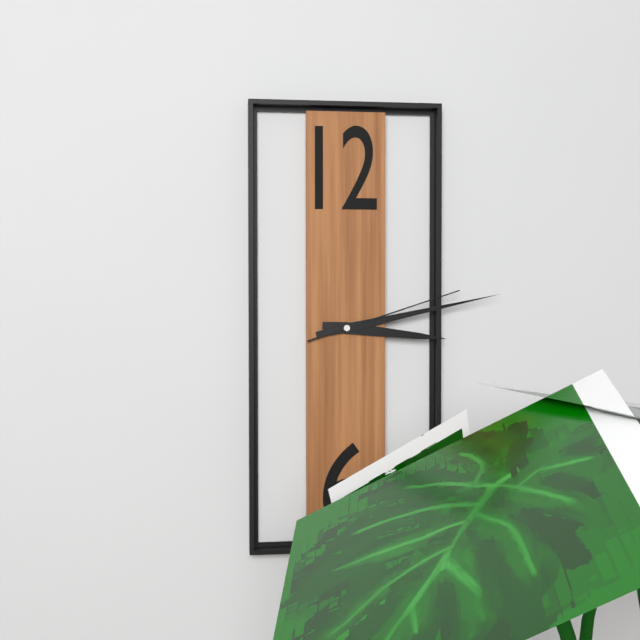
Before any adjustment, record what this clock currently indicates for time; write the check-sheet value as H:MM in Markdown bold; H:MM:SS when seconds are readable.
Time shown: **3:13:12**
